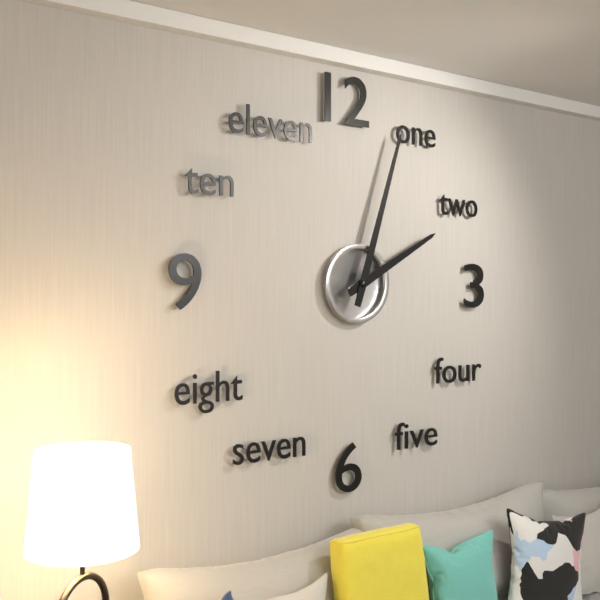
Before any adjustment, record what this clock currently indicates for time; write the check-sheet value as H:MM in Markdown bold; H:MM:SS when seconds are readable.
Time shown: **2:03**
